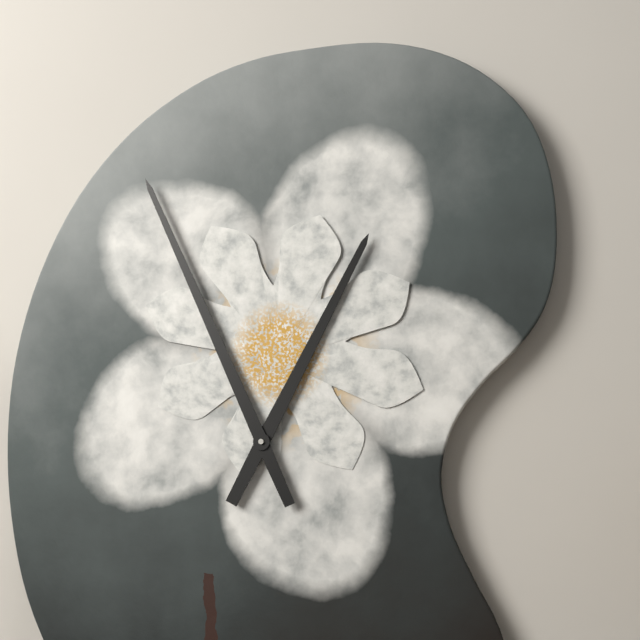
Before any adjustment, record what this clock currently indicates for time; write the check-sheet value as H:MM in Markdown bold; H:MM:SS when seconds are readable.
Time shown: **12:56**
